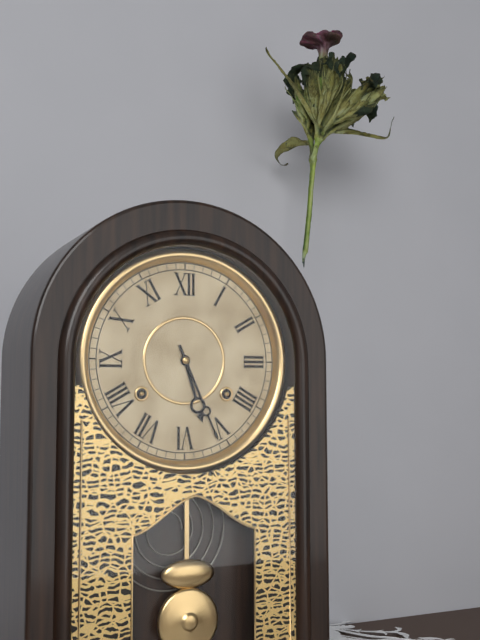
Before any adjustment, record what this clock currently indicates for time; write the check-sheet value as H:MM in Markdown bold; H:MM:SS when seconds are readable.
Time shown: **5:26**
